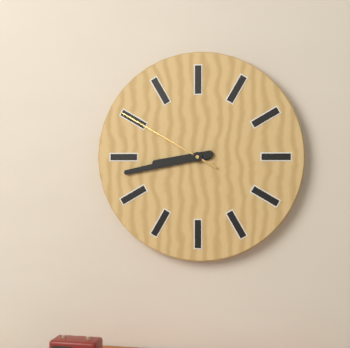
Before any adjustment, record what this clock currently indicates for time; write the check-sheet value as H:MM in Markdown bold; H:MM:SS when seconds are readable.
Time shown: **8:43:50**
